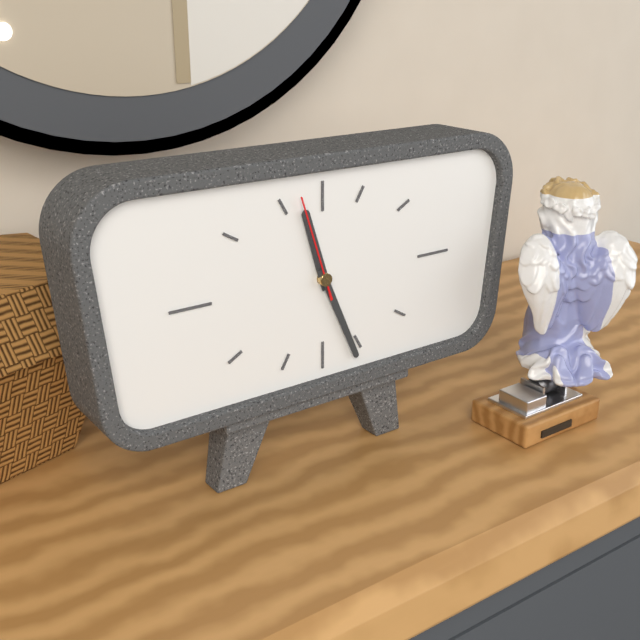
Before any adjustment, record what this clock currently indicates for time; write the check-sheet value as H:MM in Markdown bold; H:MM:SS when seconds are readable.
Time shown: **11:26:57**
